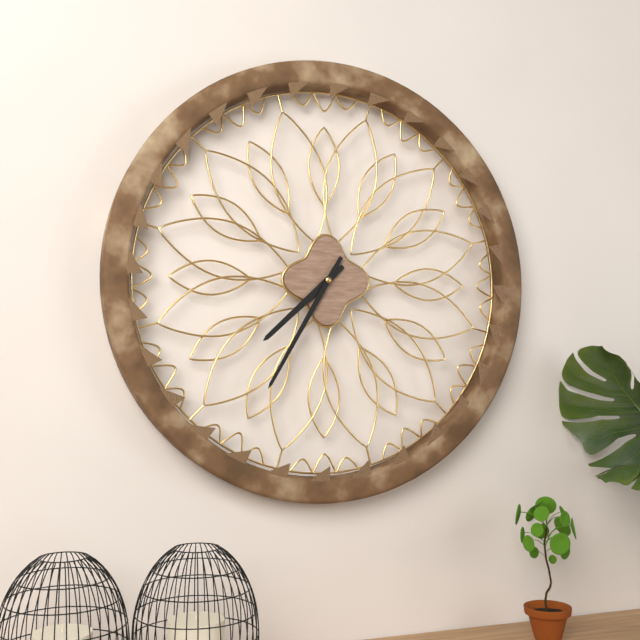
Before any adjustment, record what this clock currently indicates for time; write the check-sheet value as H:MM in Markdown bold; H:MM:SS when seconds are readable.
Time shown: **7:35**
